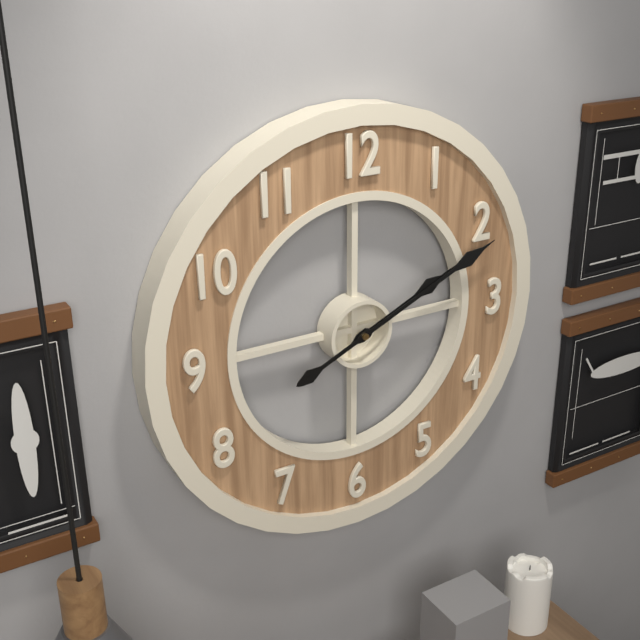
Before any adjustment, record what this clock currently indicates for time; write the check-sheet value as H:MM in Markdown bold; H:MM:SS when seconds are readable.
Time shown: **2:11**
